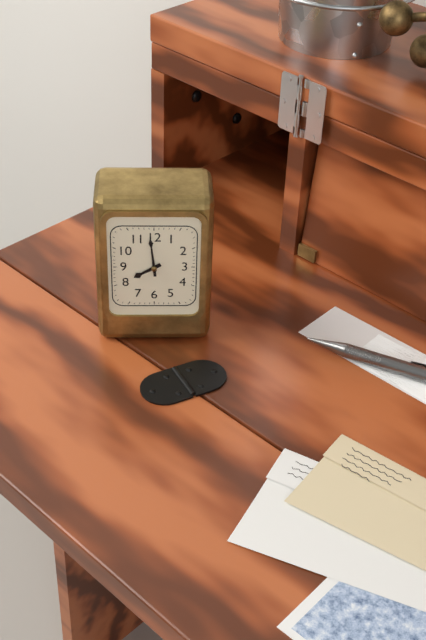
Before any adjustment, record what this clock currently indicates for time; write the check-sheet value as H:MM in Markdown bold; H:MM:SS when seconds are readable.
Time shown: **7:59**
